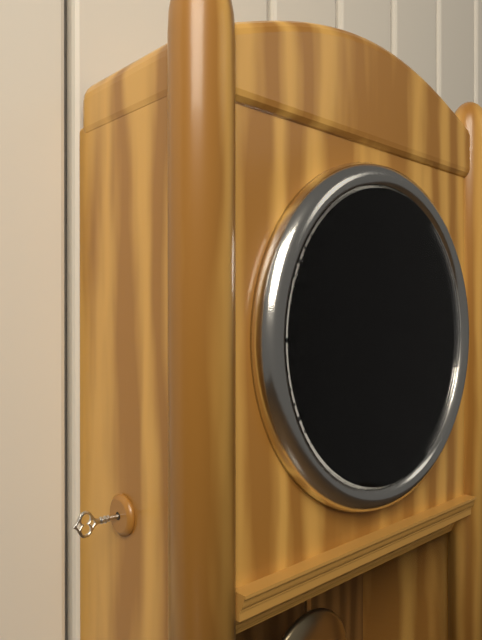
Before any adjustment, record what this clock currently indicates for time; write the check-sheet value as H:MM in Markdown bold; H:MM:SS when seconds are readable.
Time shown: **12:59**
